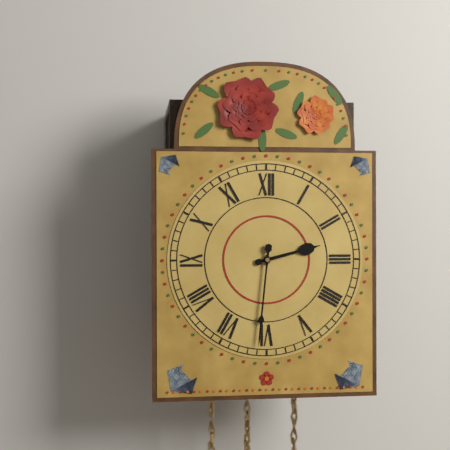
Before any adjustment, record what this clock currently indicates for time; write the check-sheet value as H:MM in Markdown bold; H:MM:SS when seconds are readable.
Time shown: **2:31**
